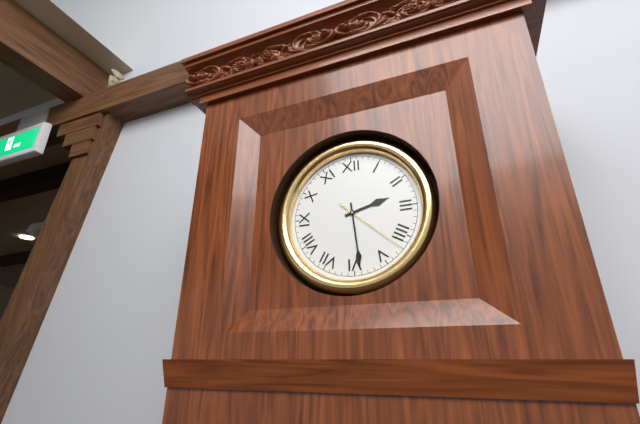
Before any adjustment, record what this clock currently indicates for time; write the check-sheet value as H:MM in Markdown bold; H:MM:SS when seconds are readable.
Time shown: **2:29:22**
